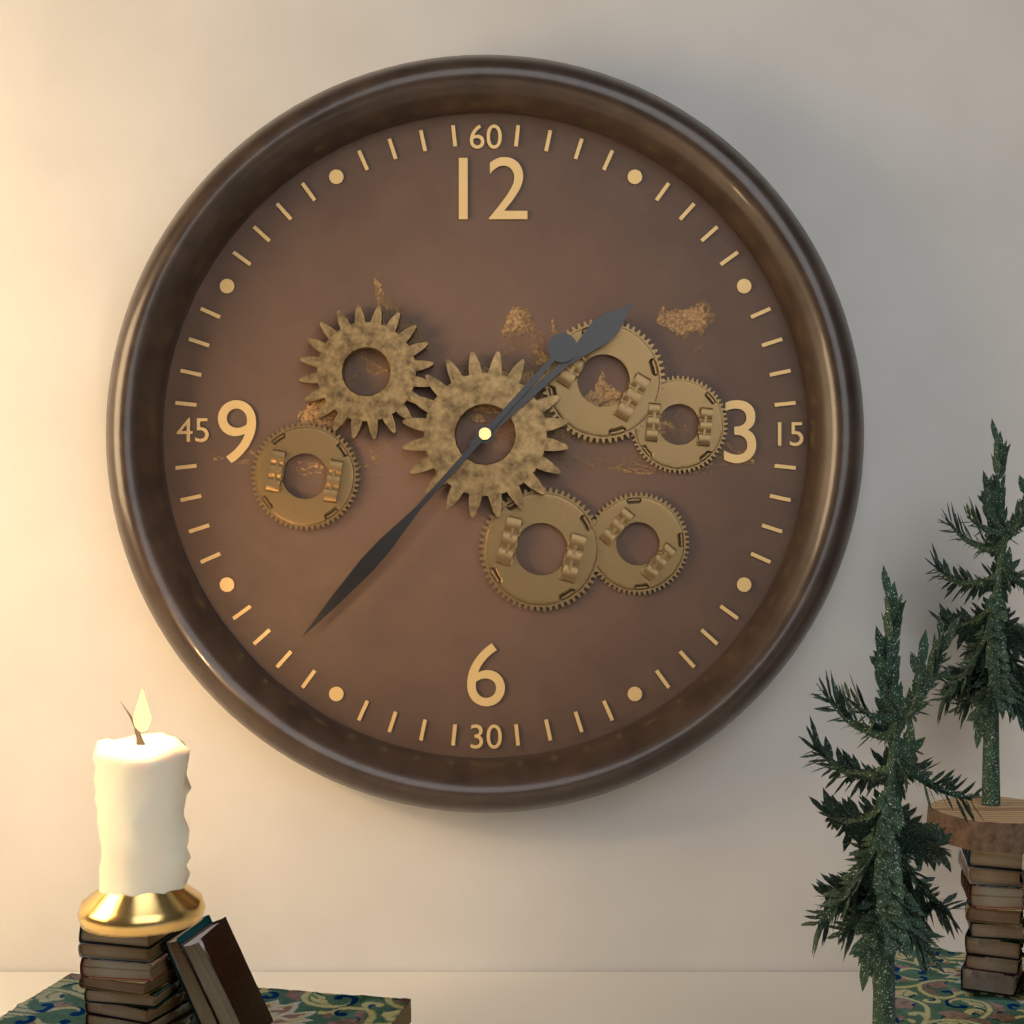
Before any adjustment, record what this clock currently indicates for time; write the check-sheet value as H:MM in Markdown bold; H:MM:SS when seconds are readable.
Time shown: **1:37**
